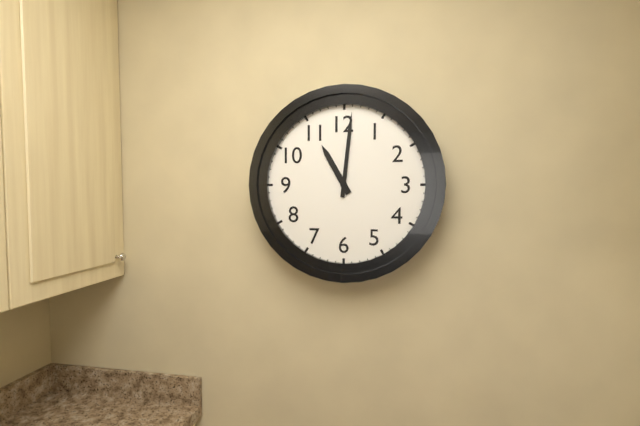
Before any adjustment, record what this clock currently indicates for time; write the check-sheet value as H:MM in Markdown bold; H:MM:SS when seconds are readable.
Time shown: **11:01**
